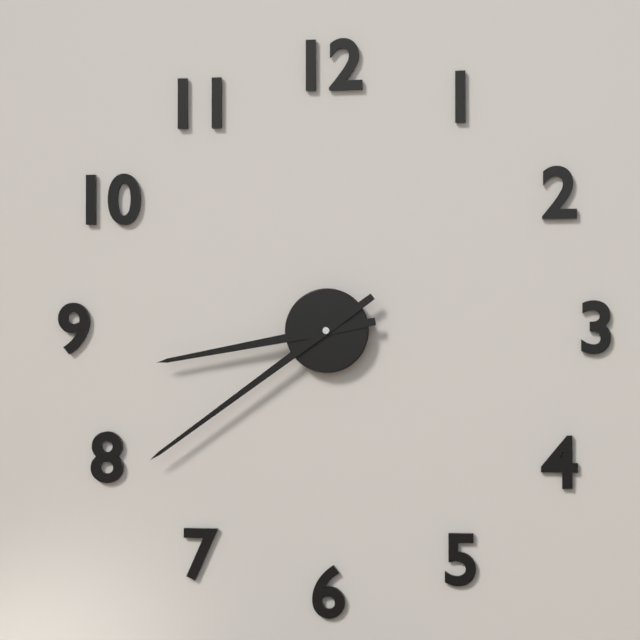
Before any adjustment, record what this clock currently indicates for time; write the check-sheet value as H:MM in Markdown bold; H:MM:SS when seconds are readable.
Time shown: **8:39**
